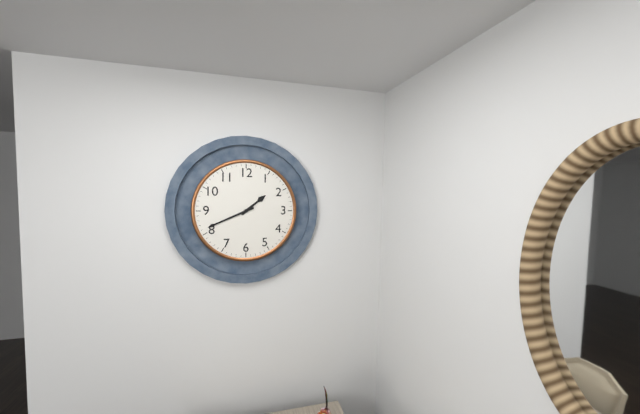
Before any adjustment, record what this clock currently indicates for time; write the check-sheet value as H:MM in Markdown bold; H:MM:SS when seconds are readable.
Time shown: **1:41**
